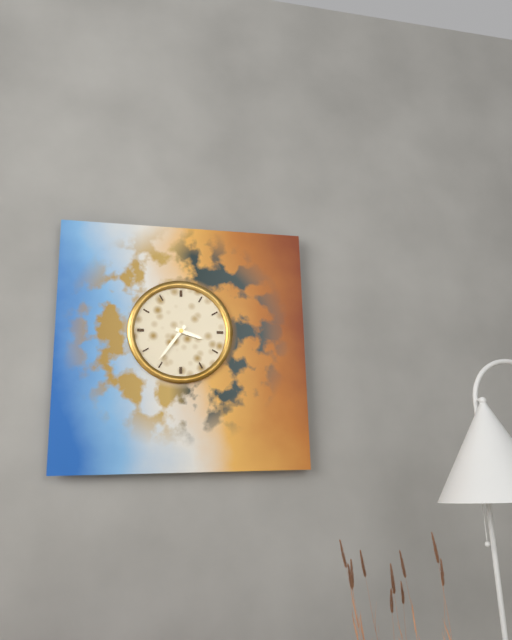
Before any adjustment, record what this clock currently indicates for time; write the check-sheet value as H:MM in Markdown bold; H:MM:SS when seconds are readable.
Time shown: **3:36**
